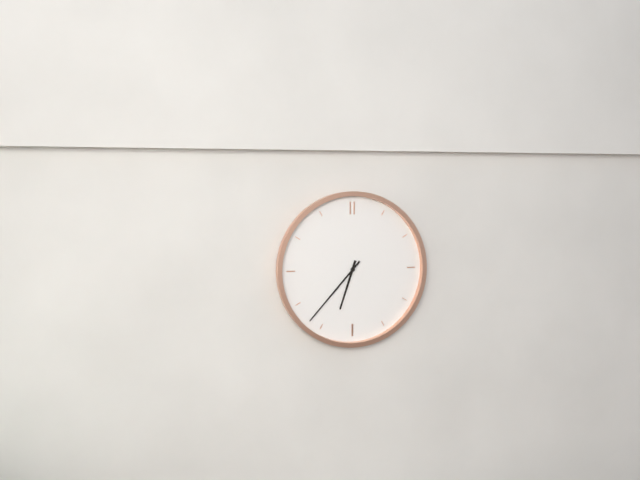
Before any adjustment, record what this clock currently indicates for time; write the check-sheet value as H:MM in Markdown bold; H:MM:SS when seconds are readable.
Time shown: **6:37**
